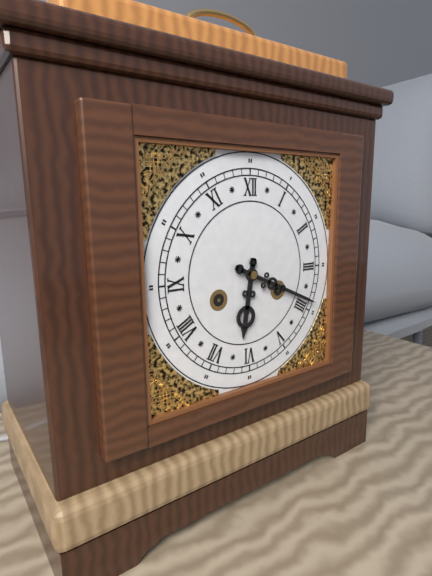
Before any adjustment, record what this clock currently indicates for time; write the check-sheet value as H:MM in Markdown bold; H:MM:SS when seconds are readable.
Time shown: **6:19**
